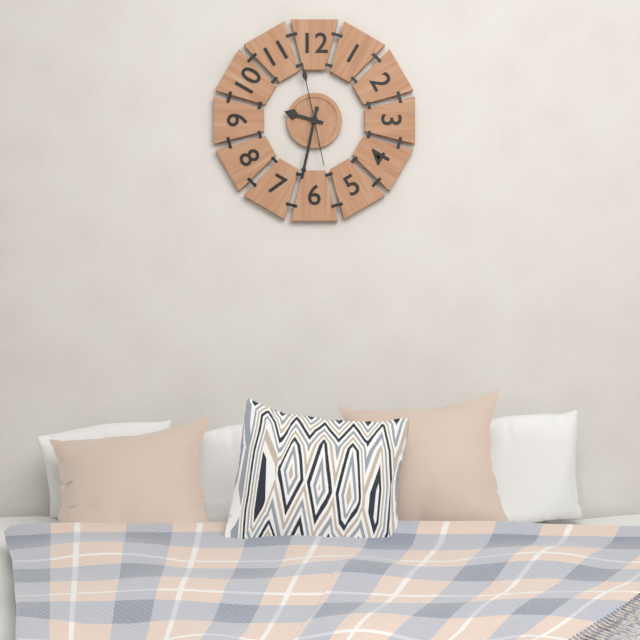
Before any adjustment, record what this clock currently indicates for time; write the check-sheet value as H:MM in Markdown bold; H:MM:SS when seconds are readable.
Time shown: **9:32:58**
